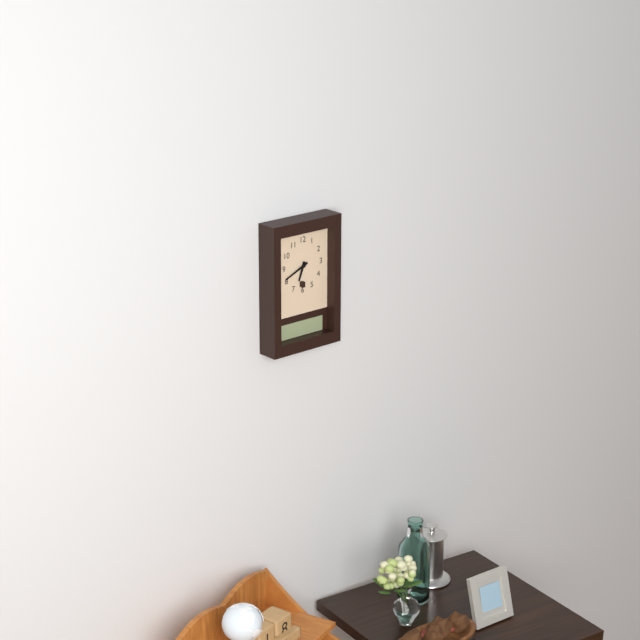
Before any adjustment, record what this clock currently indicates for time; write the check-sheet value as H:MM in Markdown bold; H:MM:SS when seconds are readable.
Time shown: **6:41**
